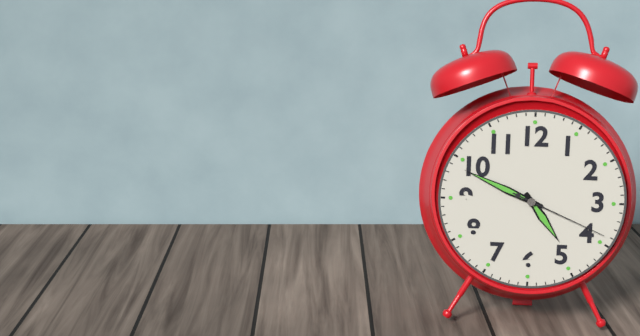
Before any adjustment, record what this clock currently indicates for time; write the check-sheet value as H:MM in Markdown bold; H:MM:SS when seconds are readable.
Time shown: **4:49:19**
